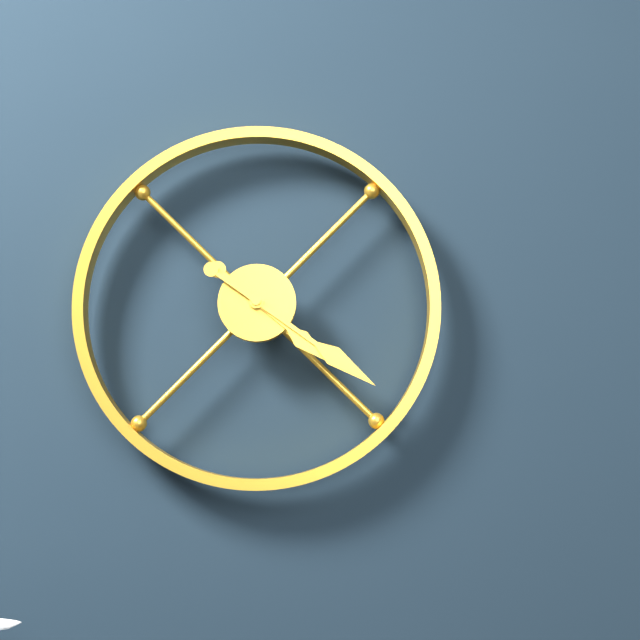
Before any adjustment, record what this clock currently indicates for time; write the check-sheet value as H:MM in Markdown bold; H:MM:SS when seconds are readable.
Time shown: **4:21**
